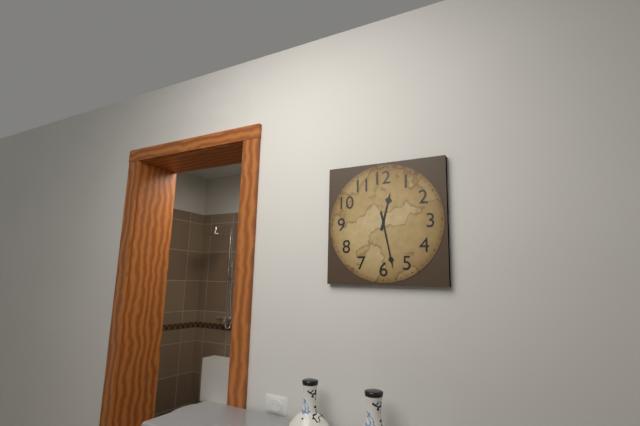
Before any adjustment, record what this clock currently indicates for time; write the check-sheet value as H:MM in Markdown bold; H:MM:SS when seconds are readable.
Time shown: **12:28**
